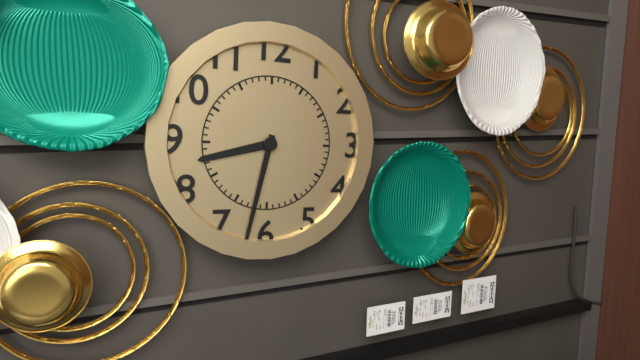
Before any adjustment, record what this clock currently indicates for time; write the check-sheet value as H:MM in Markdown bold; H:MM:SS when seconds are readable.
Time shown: **8:32**
